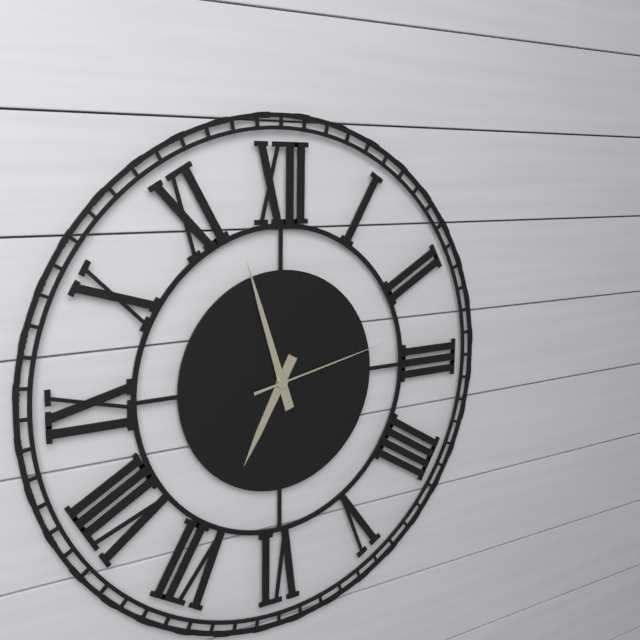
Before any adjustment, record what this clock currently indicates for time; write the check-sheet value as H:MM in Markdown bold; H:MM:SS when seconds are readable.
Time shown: **6:57:13**
